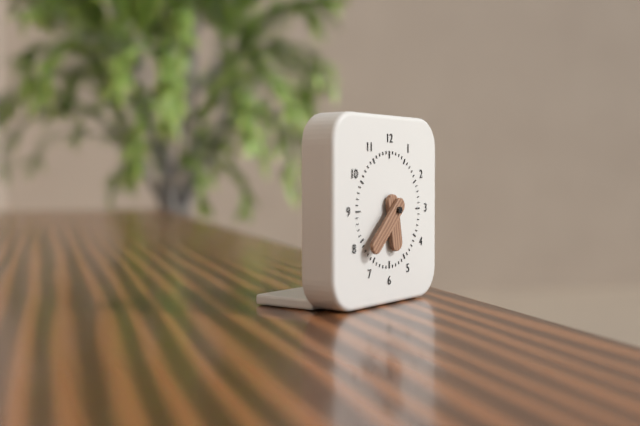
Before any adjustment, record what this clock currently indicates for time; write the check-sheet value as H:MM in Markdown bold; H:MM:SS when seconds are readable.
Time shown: **5:38**
